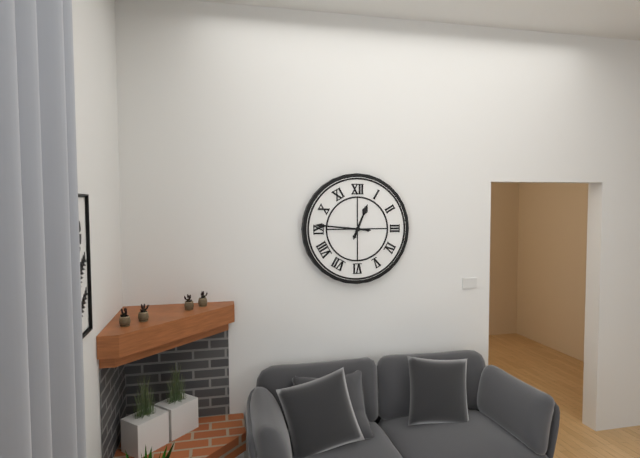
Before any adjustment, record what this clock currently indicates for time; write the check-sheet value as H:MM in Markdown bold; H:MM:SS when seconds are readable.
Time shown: **12:46**
